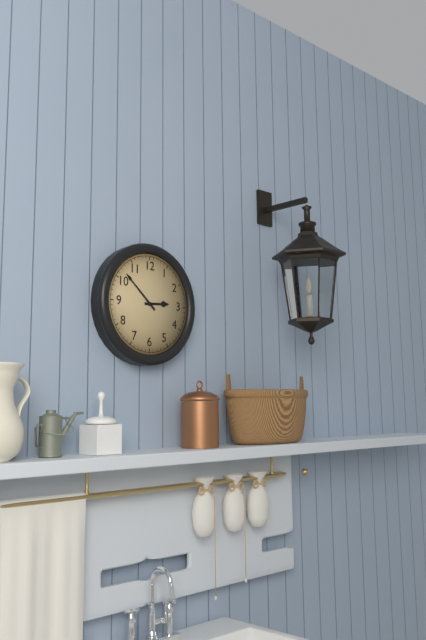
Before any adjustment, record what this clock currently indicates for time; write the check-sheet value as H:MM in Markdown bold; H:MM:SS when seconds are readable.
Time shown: **2:52**
